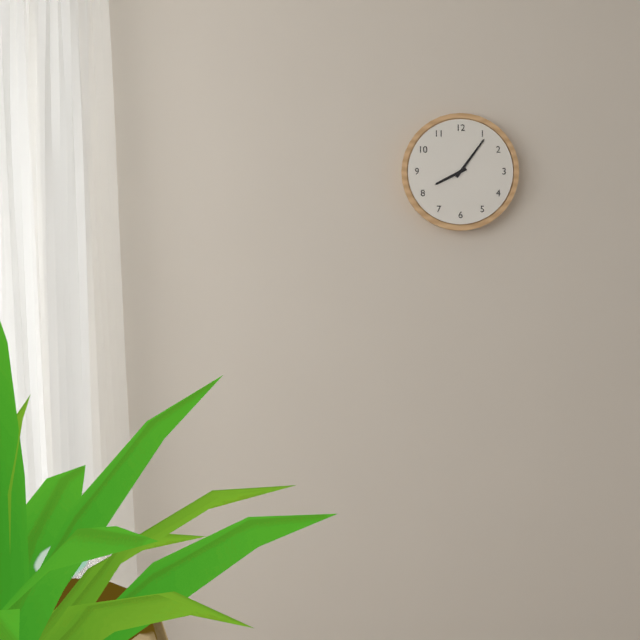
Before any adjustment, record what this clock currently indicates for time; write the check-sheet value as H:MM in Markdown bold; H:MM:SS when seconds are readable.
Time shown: **8:06**
